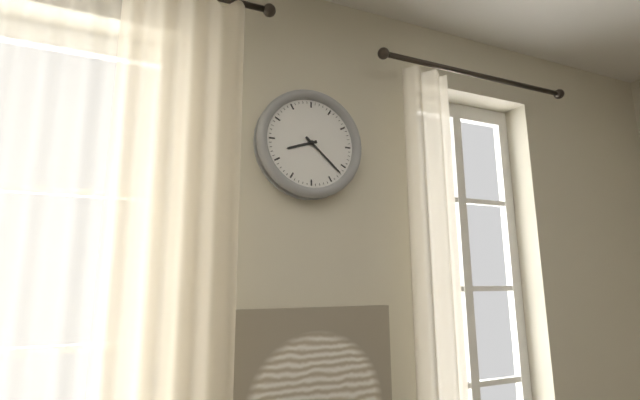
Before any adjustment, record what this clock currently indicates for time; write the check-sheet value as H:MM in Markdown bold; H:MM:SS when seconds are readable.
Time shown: **8:22**
